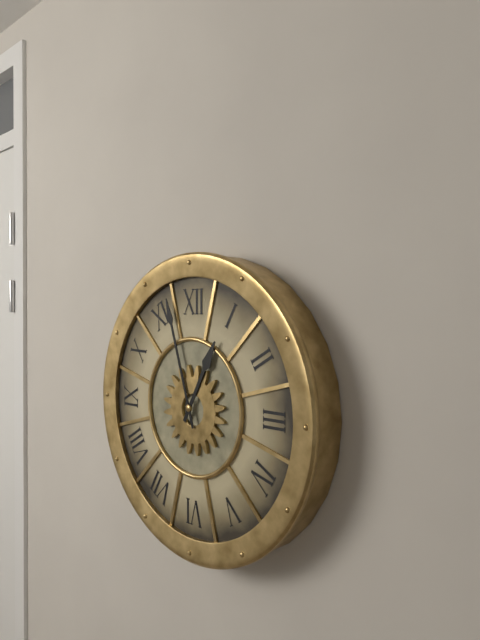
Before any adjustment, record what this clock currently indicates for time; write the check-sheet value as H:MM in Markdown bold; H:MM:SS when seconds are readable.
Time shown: **12:57**
